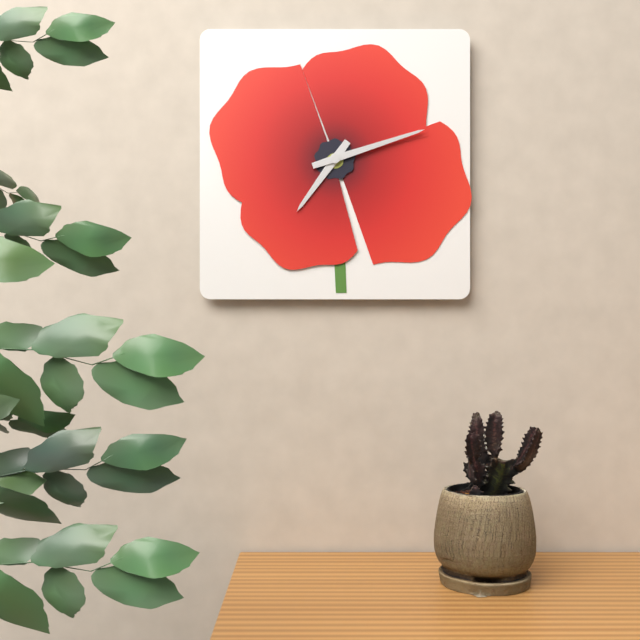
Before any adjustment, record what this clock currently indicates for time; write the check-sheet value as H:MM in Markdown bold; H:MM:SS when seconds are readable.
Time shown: **7:12**
